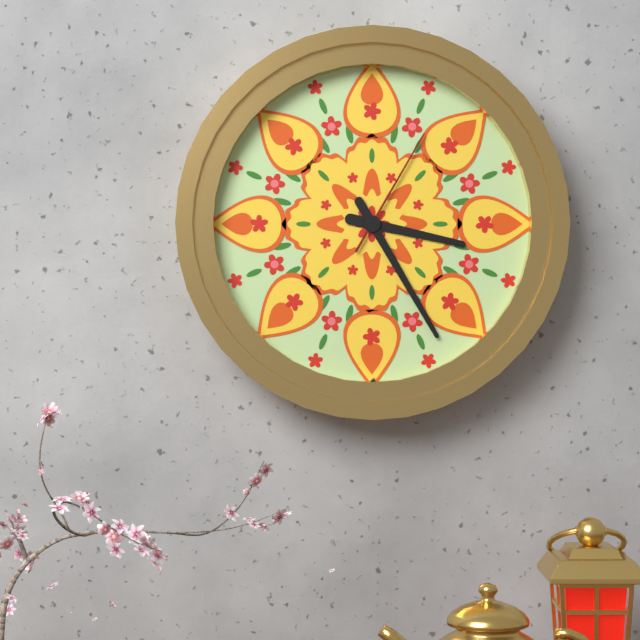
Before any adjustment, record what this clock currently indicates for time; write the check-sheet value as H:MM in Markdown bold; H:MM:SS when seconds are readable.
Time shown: **3:25:05**
